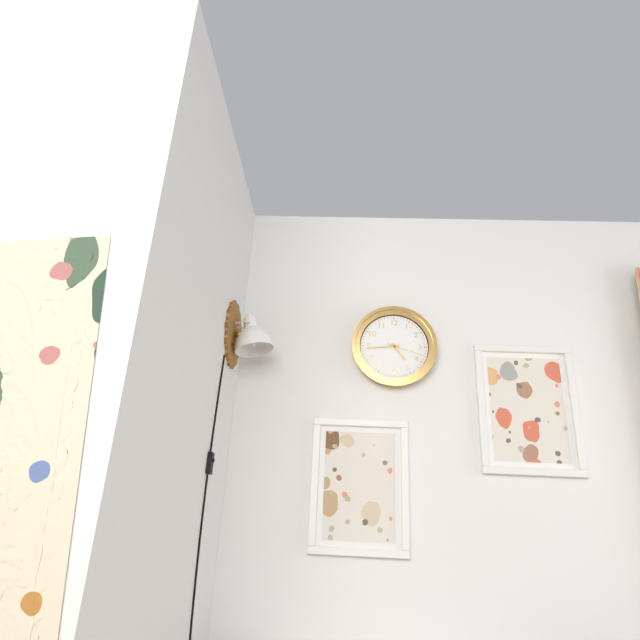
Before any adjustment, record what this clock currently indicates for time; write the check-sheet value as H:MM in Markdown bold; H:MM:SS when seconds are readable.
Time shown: **4:44**
